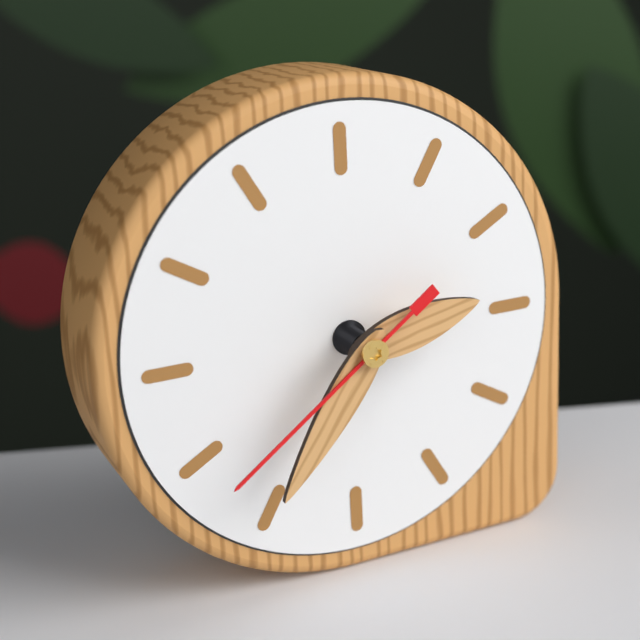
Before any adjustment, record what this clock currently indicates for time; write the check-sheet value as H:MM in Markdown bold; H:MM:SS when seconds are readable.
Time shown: **2:36:39**
